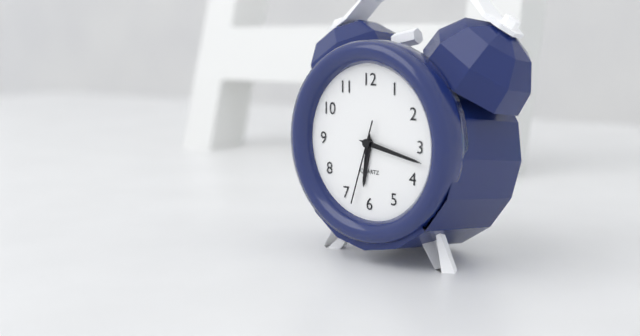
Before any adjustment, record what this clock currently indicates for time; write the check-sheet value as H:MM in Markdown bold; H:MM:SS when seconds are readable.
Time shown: **6:17:33**
